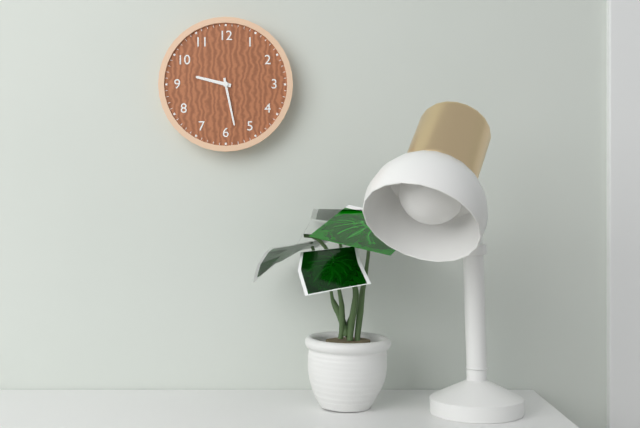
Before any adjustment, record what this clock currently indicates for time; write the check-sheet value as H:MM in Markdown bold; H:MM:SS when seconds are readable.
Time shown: **9:28**
